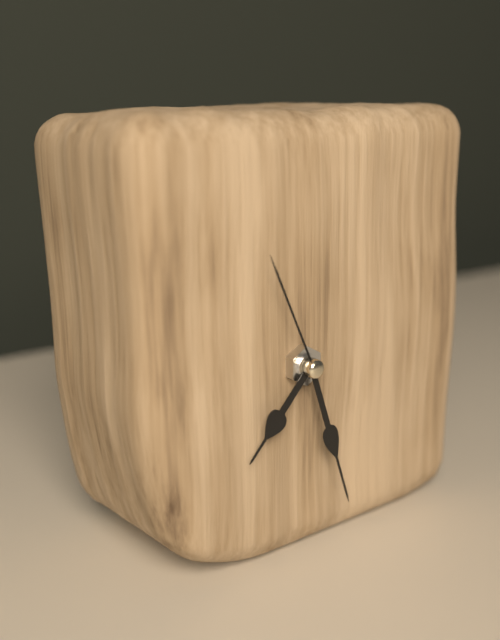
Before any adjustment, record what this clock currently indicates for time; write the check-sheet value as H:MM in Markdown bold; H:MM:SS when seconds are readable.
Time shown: **7:27:56**
